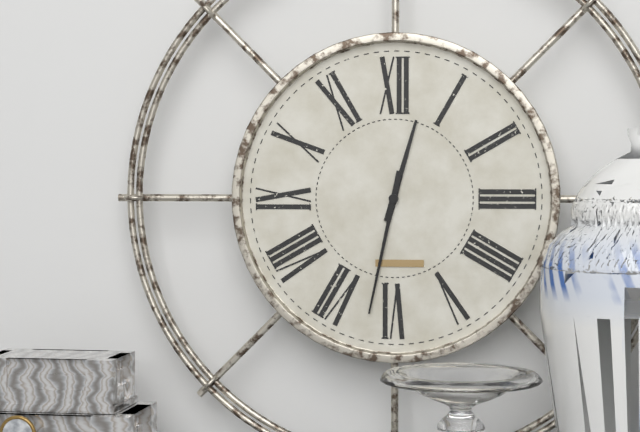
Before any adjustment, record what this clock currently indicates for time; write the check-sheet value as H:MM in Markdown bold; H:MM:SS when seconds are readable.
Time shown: **12:32**
